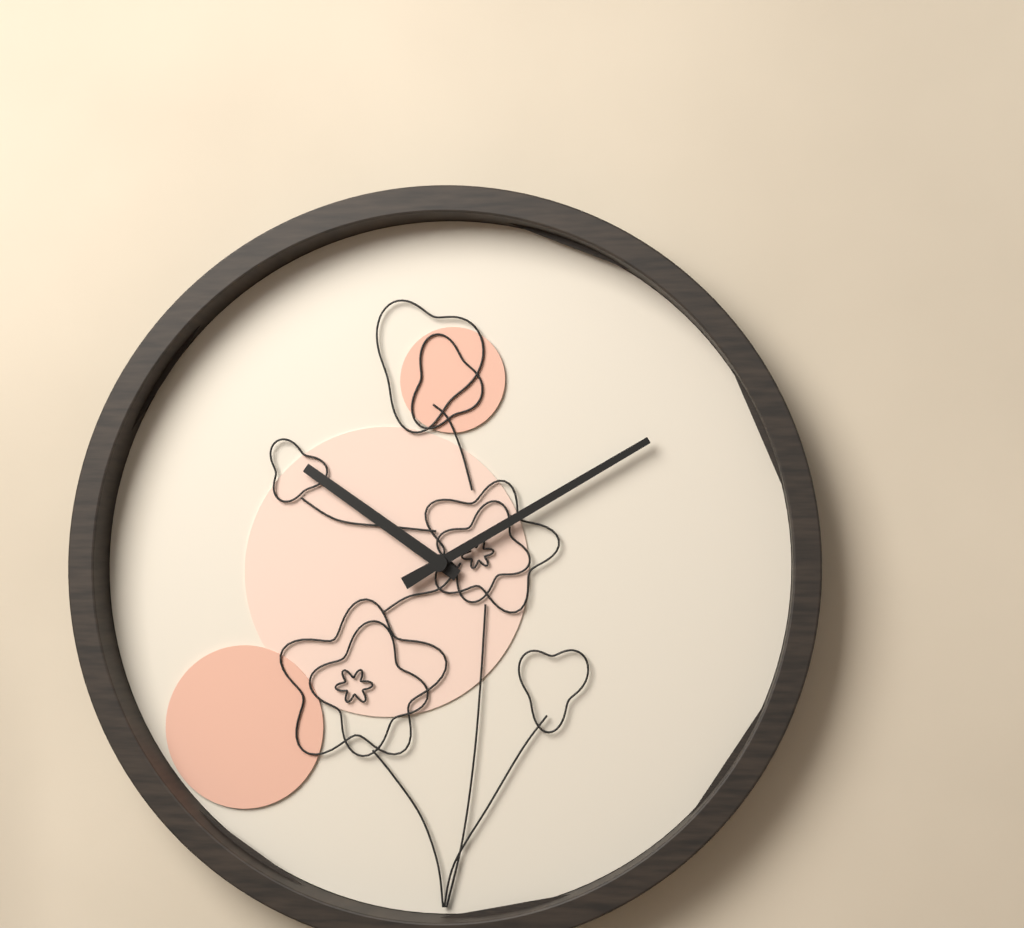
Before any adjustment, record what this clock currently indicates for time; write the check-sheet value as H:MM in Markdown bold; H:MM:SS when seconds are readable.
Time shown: **10:10**
